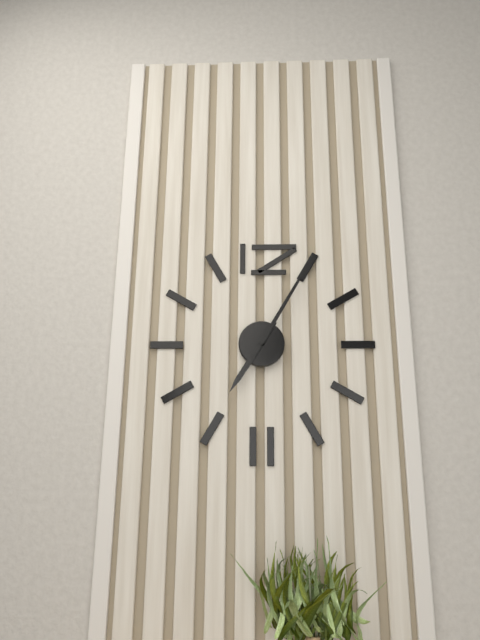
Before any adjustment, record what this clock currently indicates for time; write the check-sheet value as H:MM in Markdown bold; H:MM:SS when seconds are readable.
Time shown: **7:05**
